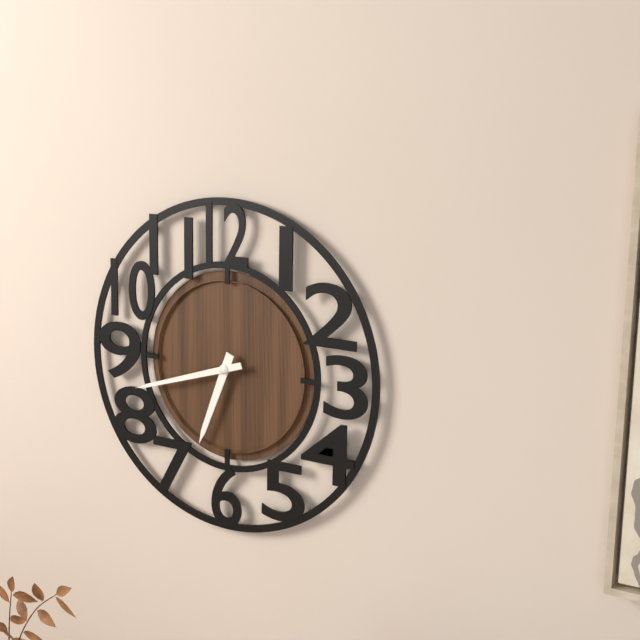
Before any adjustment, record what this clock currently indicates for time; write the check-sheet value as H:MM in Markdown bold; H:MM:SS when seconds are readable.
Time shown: **6:42**
